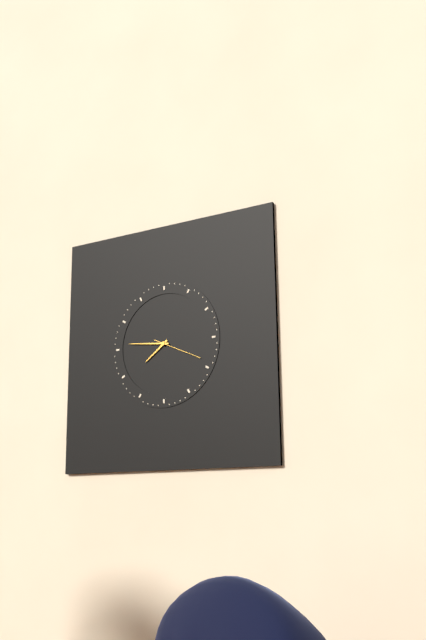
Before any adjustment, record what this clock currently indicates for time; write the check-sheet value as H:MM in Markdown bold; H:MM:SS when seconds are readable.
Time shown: **7:46**
